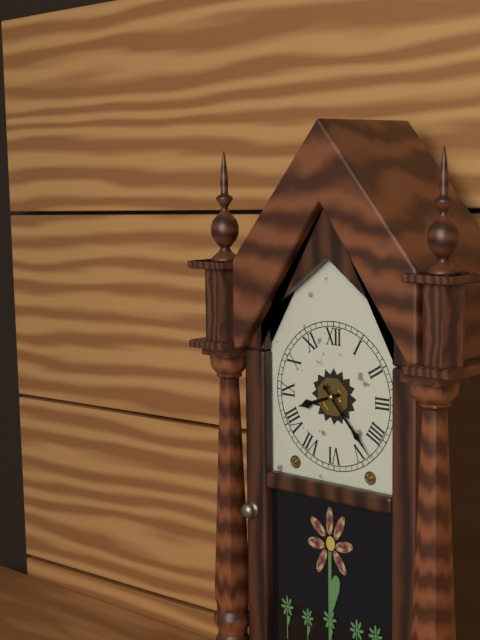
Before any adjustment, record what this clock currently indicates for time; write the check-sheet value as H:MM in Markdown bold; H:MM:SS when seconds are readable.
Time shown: **8:23**
